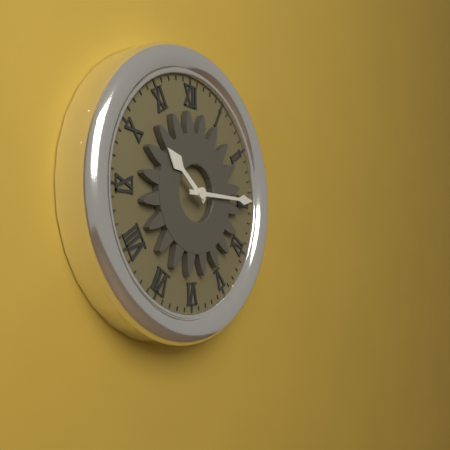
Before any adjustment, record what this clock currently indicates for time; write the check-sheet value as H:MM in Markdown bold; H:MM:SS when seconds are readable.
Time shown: **10:15**
